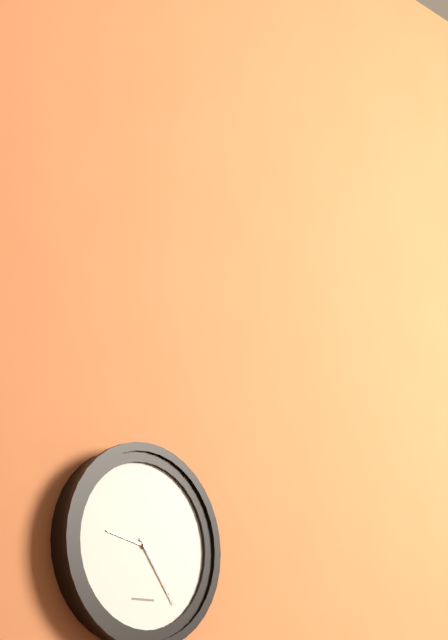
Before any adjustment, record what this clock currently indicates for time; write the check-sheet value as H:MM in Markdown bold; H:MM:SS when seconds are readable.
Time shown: **9:24**
